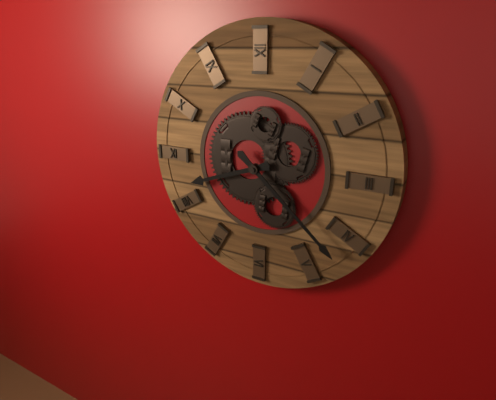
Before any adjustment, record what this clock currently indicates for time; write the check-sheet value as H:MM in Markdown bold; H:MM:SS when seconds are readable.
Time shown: **8:22**
